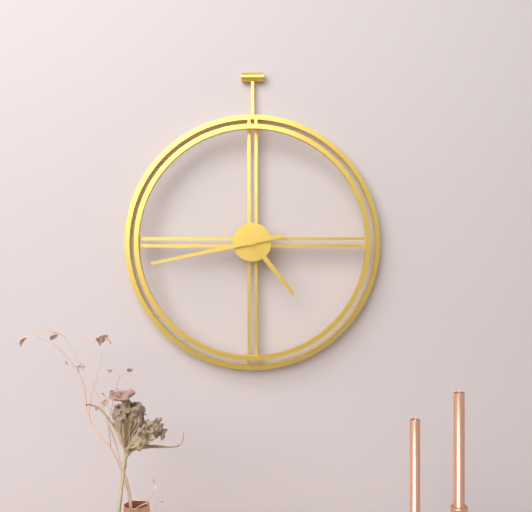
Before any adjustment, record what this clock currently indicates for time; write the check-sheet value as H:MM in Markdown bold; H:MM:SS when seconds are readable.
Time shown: **4:43**
